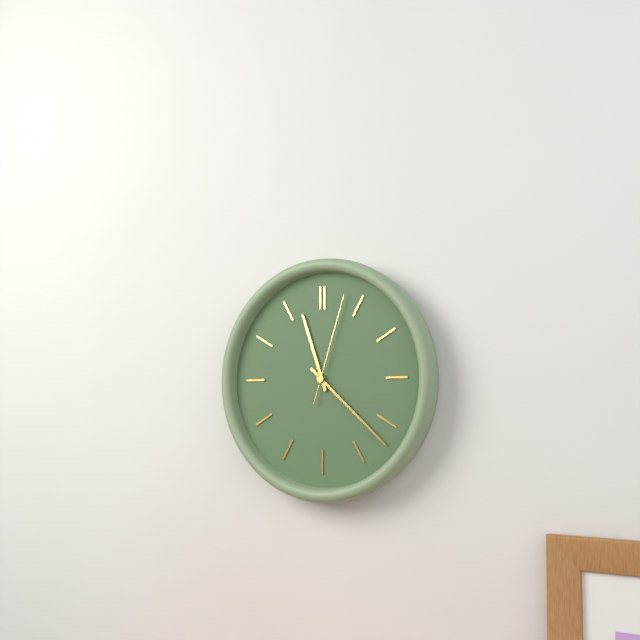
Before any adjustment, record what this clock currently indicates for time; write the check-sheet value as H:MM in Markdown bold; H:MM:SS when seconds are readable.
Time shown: **11:22:03**
